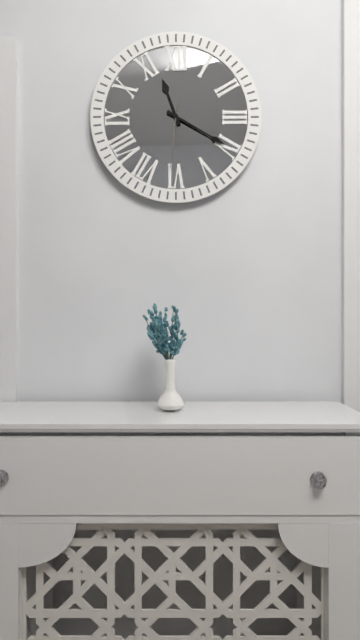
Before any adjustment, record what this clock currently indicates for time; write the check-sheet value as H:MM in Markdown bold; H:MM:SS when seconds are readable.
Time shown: **11:20:31**
